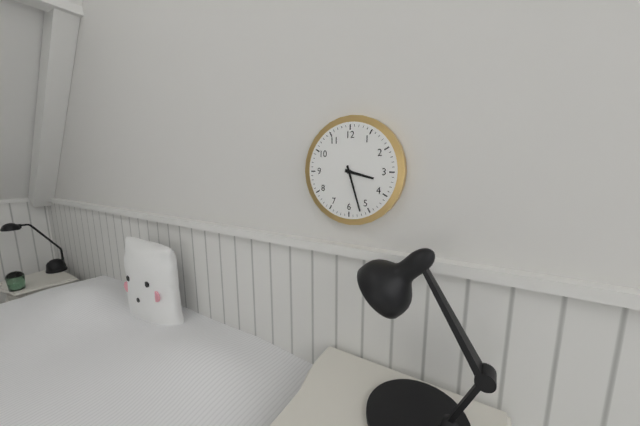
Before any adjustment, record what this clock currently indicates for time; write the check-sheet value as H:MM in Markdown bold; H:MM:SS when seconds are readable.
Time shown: **3:27**
